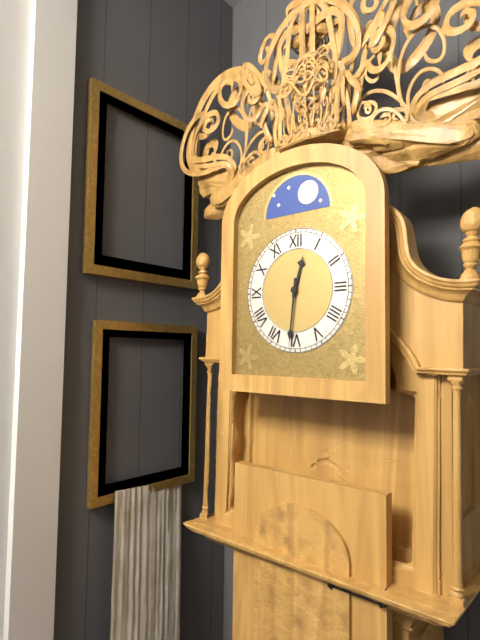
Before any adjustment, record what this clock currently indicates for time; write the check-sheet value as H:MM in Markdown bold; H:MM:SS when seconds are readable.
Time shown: **12:31**
